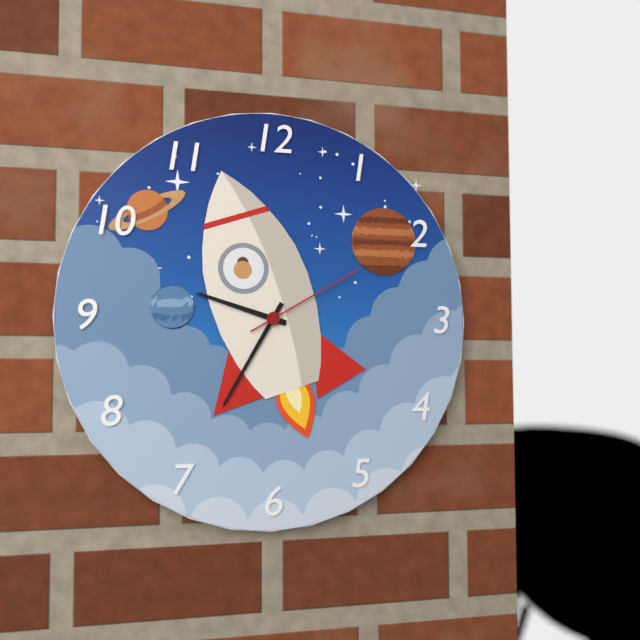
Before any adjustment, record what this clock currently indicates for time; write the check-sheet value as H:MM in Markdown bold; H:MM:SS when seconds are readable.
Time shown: **9:35:10**
